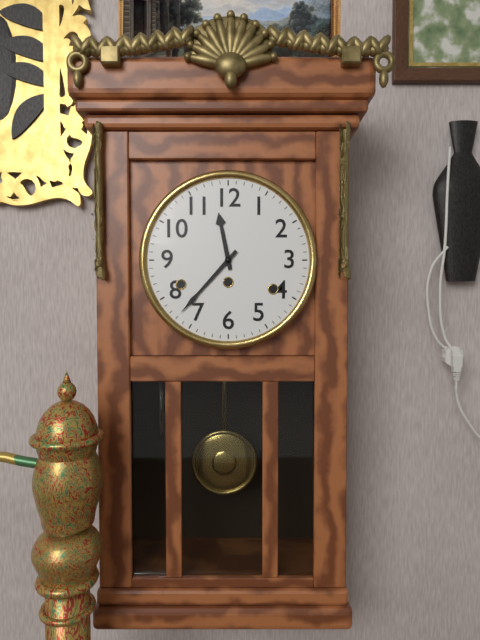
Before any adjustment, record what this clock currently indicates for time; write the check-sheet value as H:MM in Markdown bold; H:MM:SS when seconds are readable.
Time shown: **11:37**
